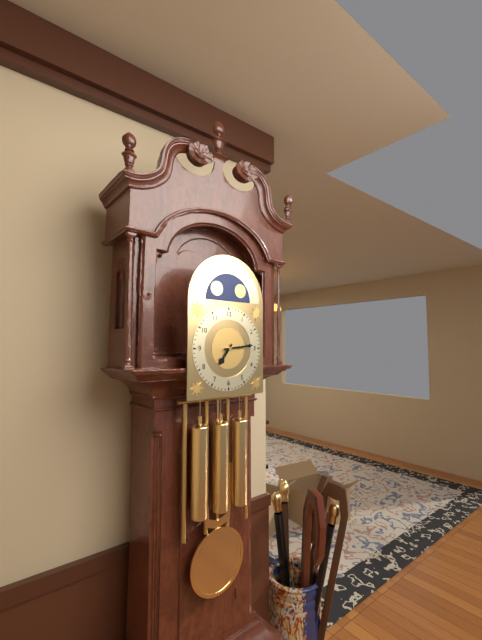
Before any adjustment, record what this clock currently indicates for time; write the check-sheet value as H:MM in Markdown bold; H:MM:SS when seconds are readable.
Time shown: **7:14**
